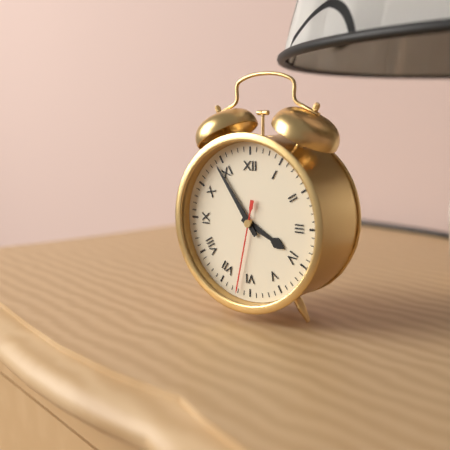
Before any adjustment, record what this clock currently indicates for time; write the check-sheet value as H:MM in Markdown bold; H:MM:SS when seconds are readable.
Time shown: **3:54:32**
